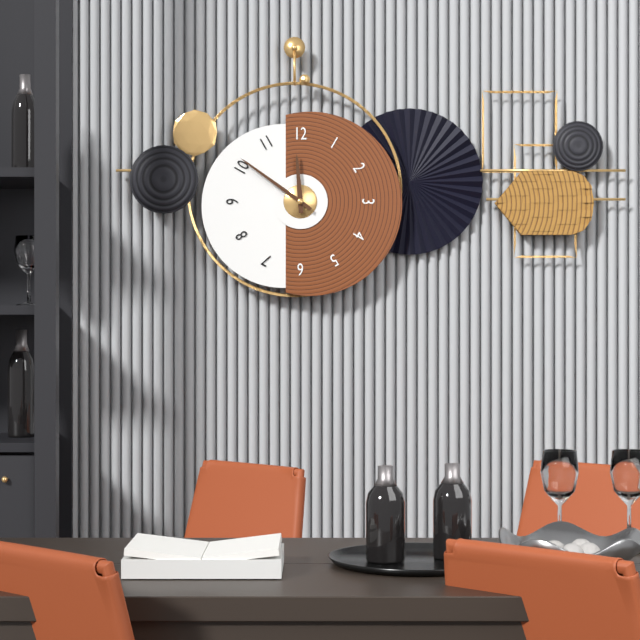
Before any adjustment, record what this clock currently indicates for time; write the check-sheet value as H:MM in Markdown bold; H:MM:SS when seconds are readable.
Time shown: **11:51**
